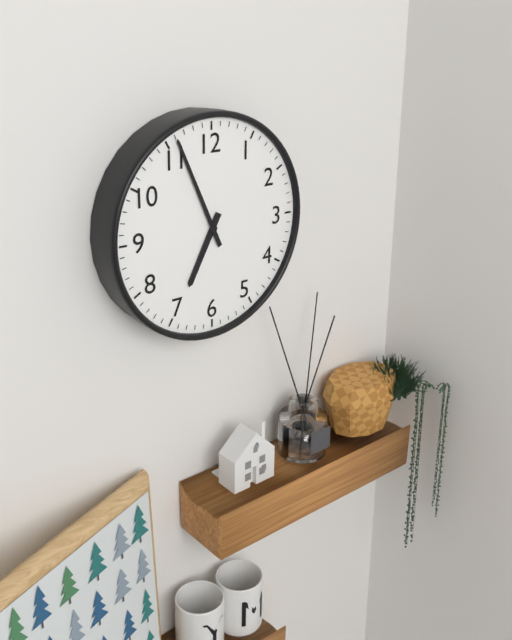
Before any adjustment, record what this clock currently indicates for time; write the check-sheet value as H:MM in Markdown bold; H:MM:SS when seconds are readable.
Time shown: **6:56**
